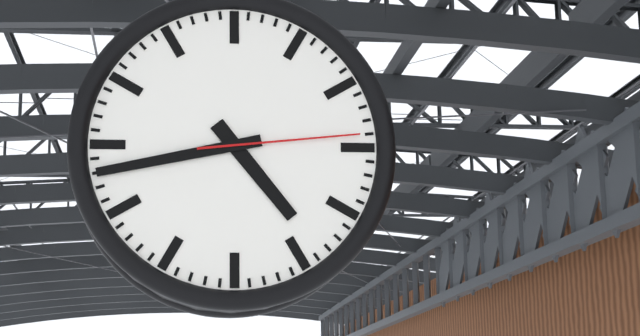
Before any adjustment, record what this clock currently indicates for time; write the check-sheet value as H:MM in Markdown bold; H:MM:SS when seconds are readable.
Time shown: **4:43:14**
